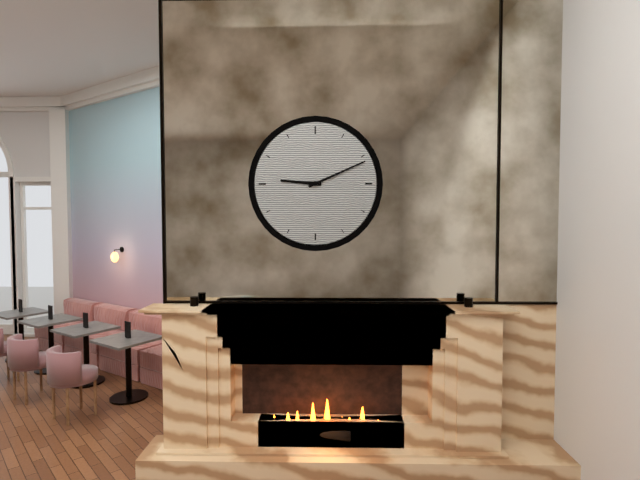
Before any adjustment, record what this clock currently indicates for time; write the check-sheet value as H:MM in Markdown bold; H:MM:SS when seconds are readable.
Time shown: **9:11**
